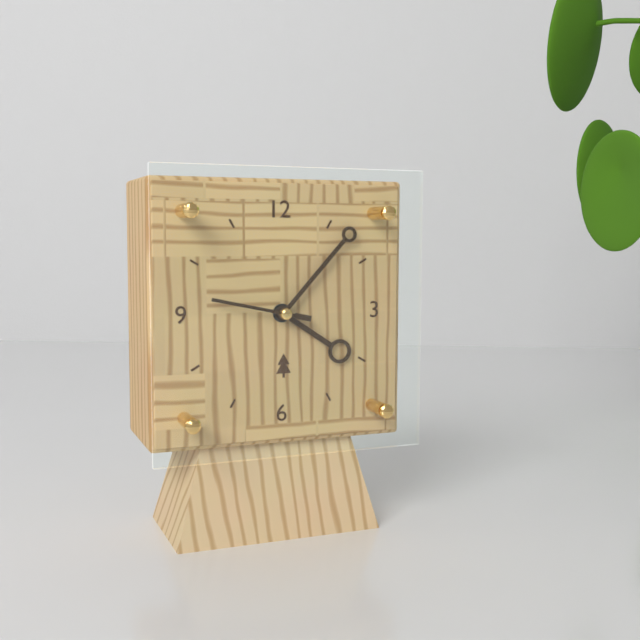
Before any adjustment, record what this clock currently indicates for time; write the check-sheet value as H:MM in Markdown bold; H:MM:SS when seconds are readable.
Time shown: **4:07:47**
